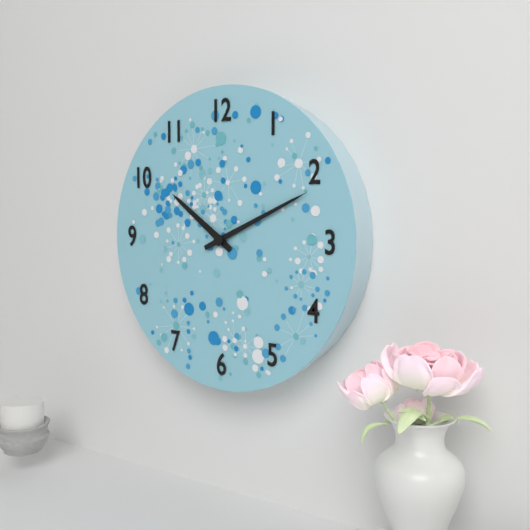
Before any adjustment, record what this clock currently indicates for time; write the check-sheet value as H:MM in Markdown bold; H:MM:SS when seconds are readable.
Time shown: **10:11**
